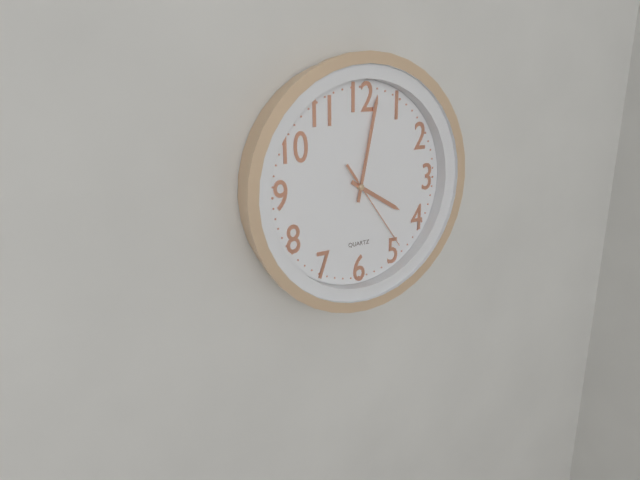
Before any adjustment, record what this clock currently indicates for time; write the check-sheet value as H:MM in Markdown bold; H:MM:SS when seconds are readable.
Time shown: **4:02:24**
